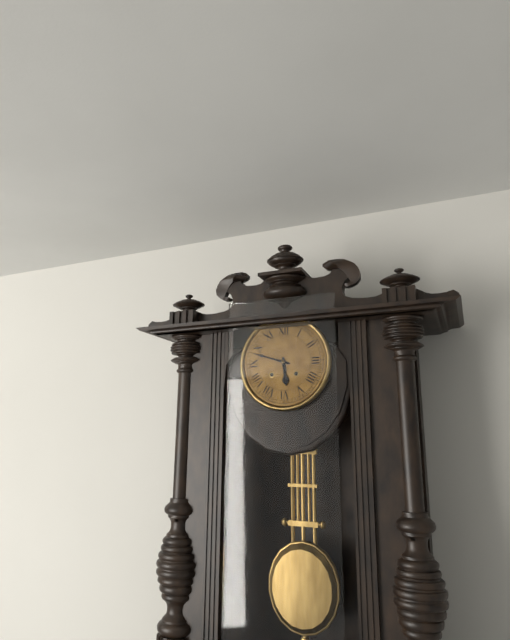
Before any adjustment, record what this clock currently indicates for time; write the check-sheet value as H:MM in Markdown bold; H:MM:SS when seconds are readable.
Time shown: **5:48**
